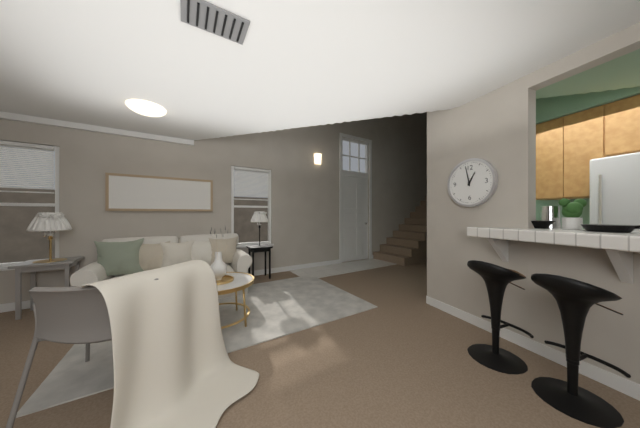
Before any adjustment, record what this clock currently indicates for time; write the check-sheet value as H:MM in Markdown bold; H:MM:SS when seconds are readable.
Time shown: **12:58**
